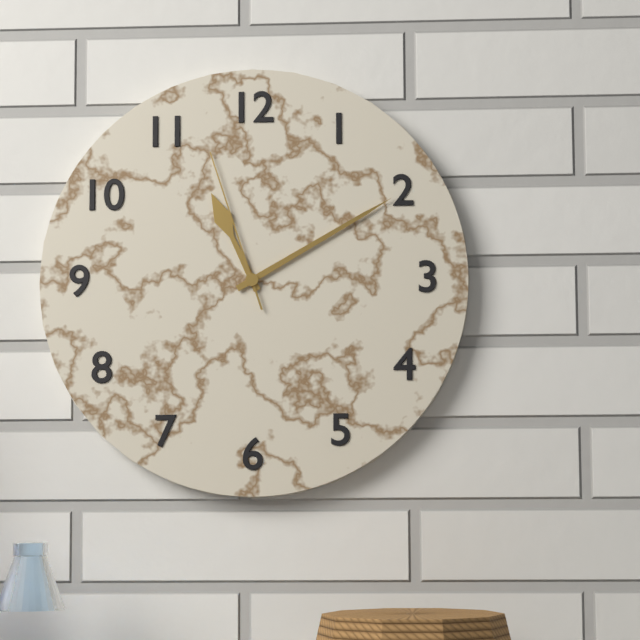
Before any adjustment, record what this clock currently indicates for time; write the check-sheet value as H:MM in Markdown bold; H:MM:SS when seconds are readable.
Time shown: **11:10:57**
